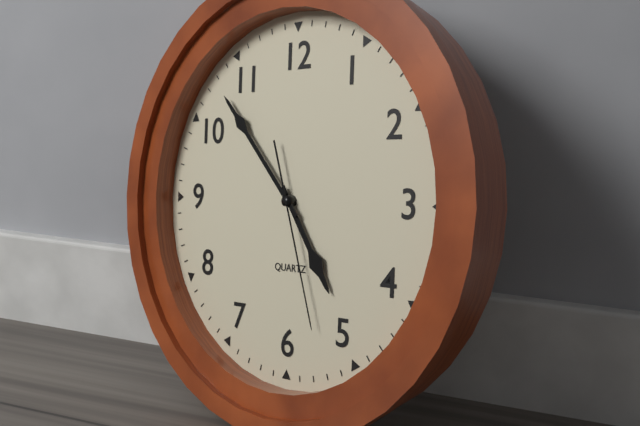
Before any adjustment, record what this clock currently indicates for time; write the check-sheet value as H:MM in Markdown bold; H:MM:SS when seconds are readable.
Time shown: **4:53:27**
